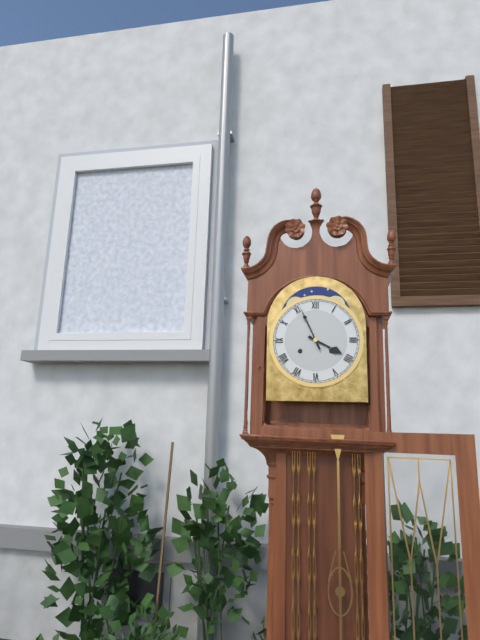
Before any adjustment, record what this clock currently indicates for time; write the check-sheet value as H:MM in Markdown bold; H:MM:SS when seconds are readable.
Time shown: **3:56**
